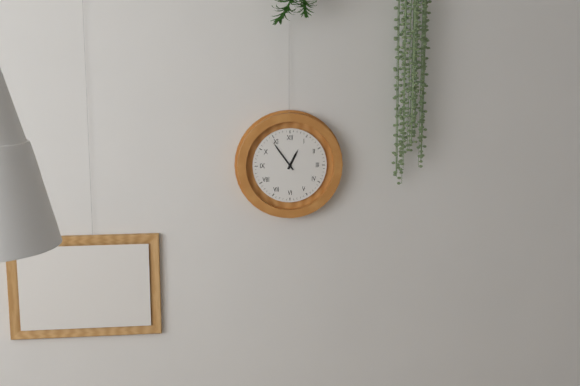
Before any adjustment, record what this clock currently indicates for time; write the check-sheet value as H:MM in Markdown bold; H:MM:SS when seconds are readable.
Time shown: **12:54**
